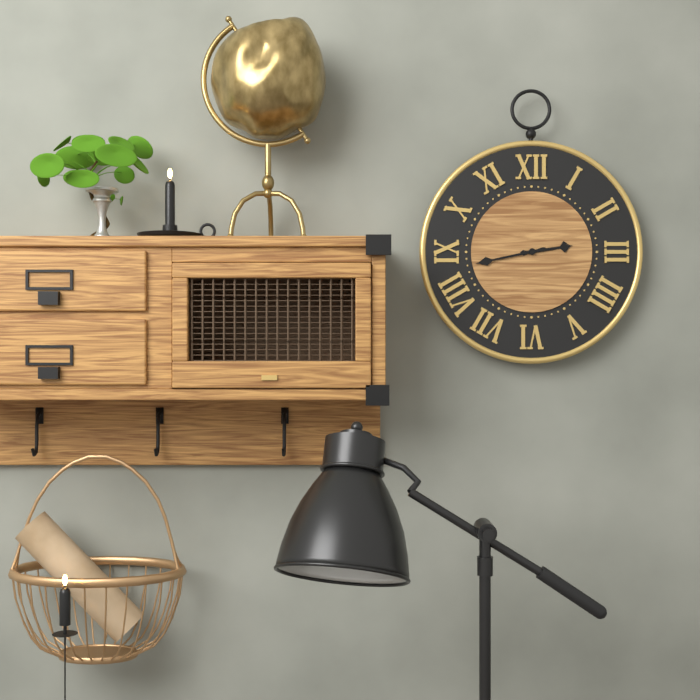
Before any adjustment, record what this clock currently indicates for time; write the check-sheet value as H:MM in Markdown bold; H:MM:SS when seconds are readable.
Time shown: **2:43**
